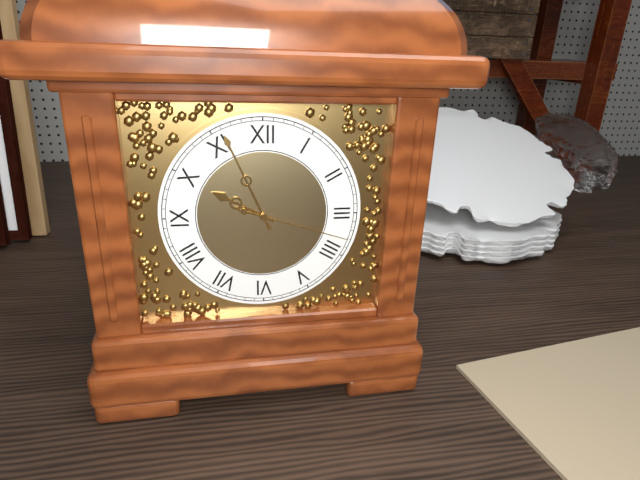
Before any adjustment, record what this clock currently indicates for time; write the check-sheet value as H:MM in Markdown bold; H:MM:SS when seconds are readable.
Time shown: **9:56:18**
